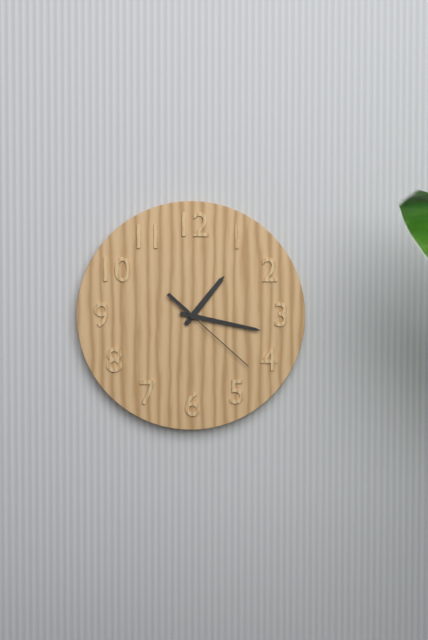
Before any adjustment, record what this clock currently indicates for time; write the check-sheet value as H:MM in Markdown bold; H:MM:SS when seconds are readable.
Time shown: **1:17:22**
